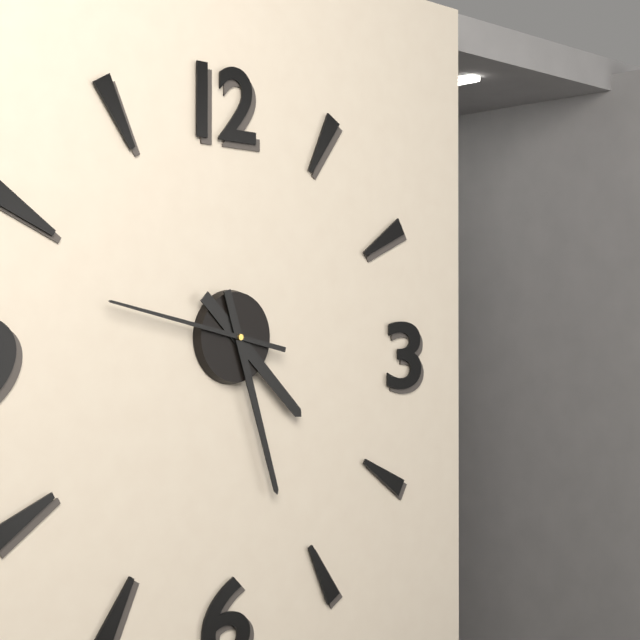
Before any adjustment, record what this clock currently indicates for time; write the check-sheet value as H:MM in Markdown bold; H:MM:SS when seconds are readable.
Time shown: **4:27:47**
